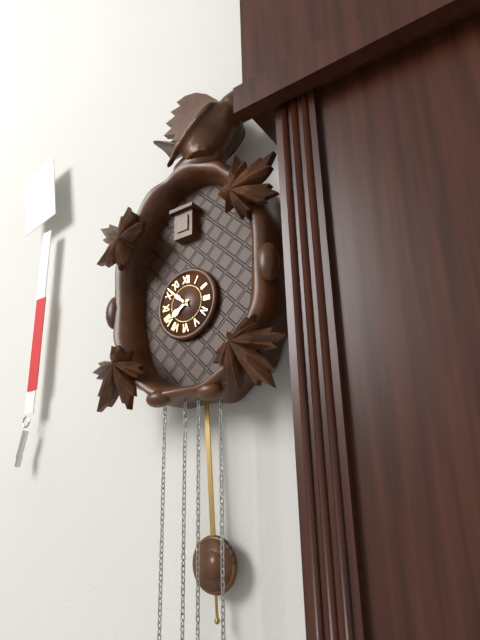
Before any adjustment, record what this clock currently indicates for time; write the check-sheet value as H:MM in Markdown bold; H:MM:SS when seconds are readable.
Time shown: **7:52**
